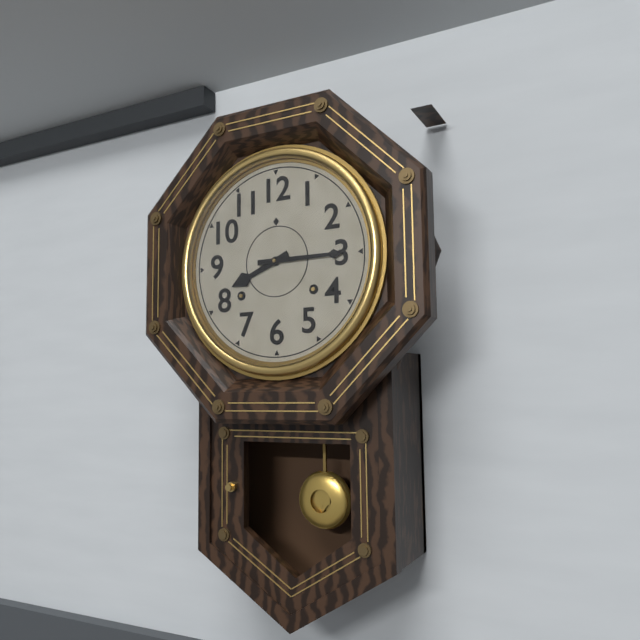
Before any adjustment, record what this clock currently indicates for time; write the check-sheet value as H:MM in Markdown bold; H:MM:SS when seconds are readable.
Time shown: **8:15**
